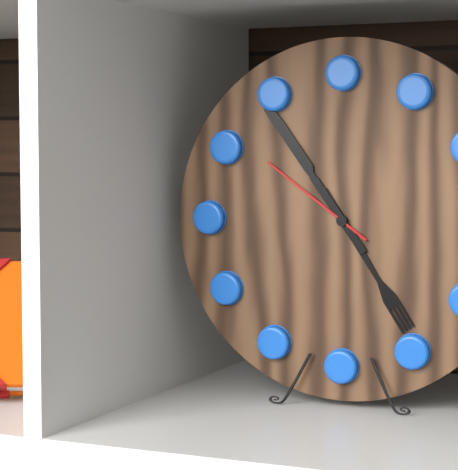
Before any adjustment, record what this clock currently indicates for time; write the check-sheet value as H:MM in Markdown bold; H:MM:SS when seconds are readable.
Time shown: **4:54:51**
